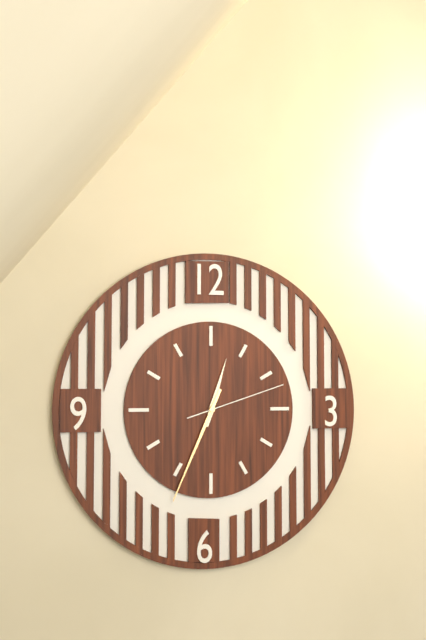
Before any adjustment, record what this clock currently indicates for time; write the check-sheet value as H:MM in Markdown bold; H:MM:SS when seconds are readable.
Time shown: **12:34:12**
